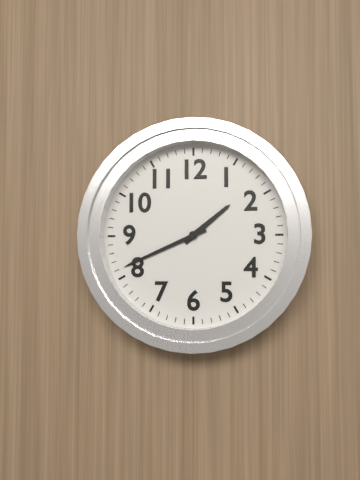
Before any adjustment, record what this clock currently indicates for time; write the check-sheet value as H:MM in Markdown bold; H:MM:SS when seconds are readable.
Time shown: **1:41**
